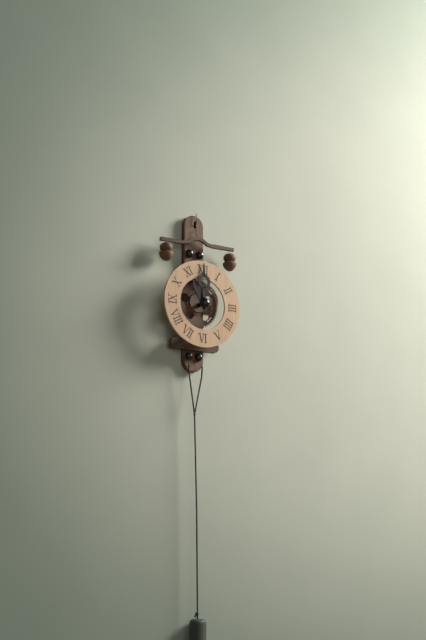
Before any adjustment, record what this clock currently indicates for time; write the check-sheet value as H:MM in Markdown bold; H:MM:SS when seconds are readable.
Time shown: **11:00**
